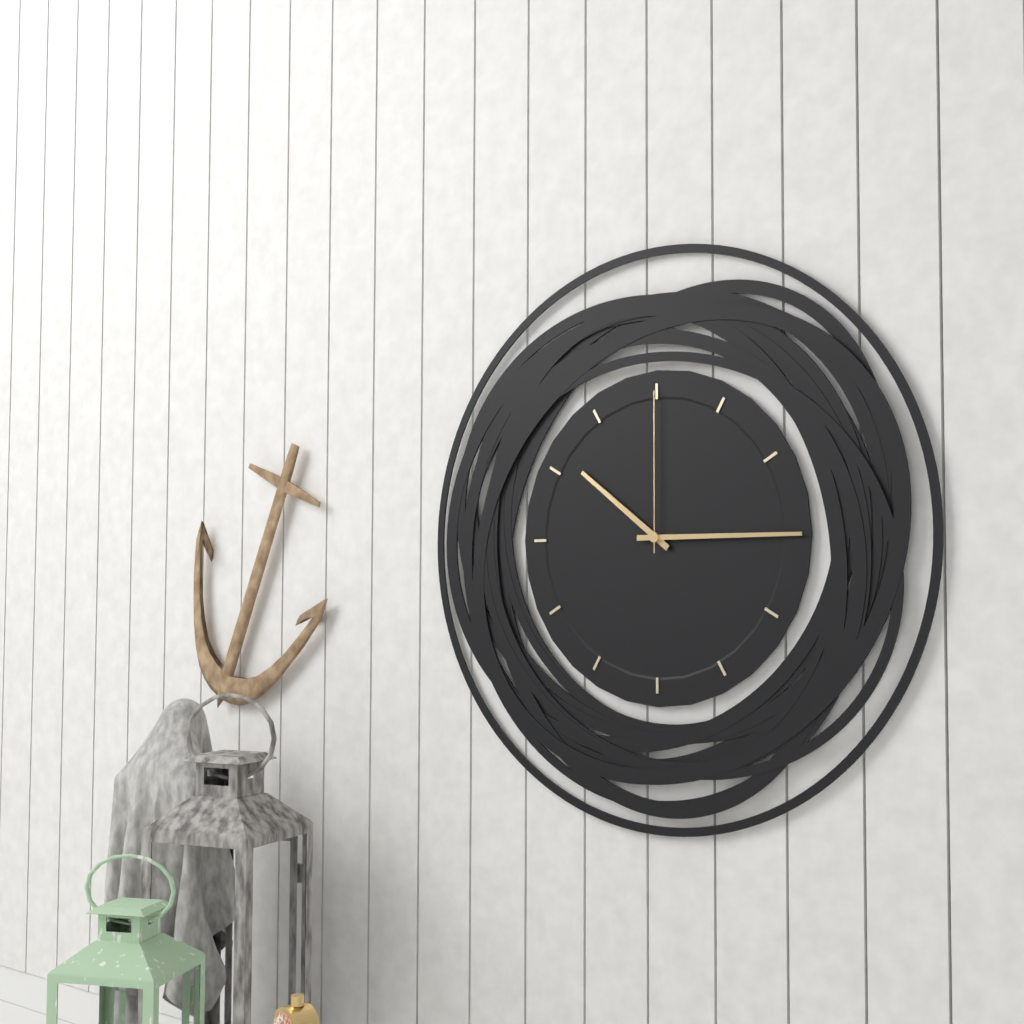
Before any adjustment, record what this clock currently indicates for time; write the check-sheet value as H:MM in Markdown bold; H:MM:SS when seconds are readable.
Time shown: **10:15:00**
